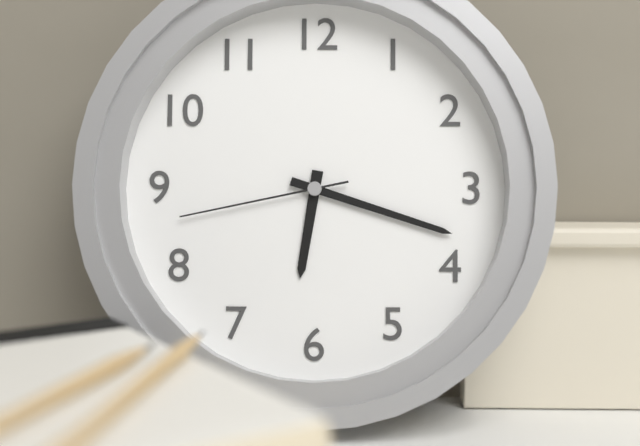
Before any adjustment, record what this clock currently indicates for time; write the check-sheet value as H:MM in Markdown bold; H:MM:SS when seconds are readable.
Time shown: **6:18:43**
